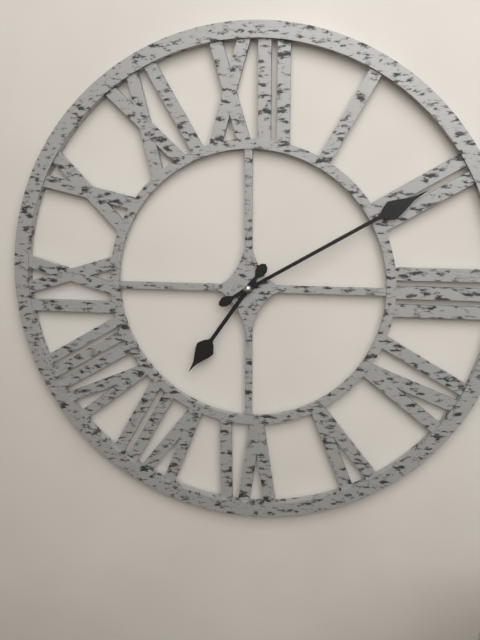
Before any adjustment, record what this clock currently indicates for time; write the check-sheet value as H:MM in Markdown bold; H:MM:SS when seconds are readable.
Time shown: **7:10**
